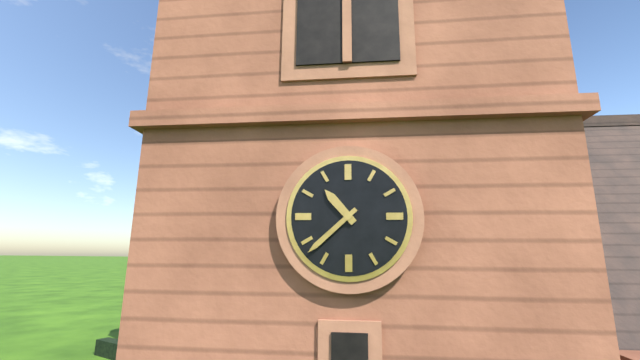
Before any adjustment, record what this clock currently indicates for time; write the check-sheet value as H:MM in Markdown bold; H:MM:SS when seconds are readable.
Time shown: **10:38**
